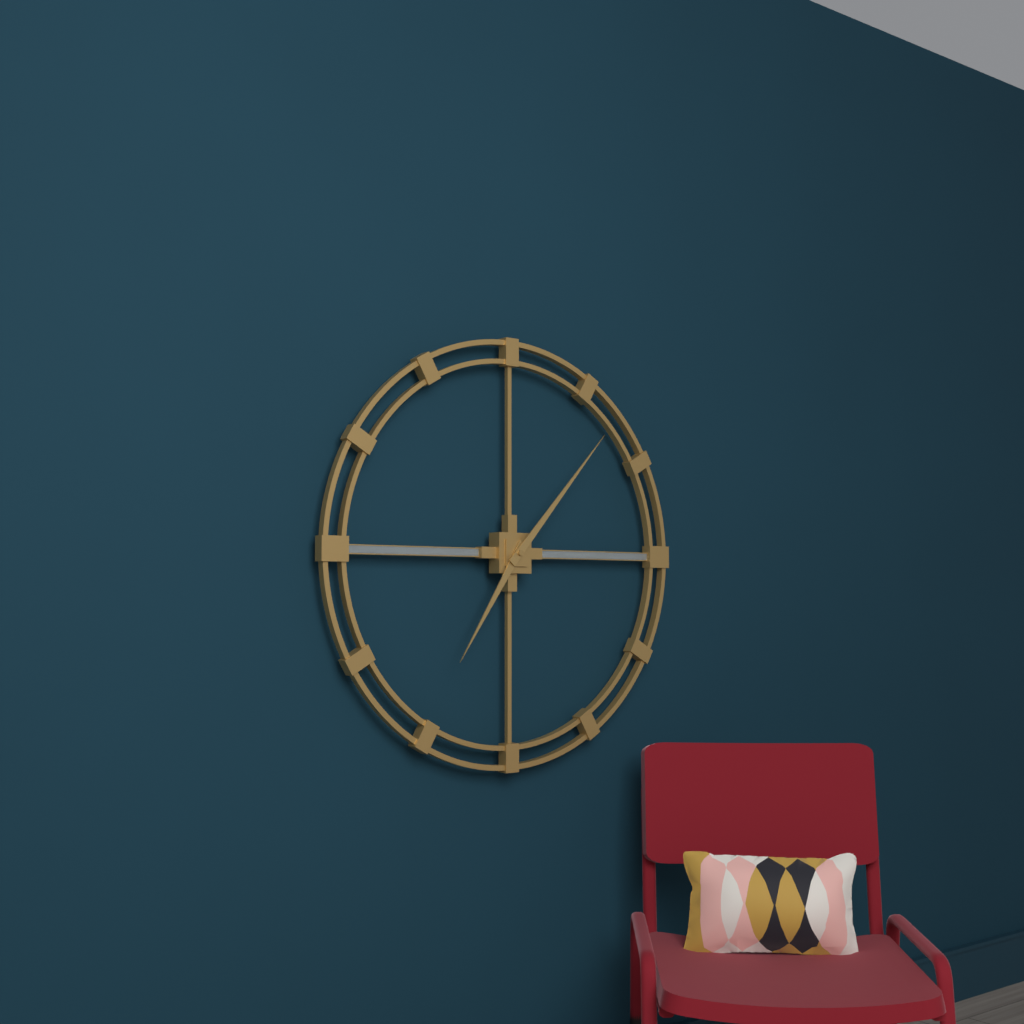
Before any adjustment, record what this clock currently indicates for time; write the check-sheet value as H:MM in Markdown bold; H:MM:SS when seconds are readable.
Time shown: **7:07**
